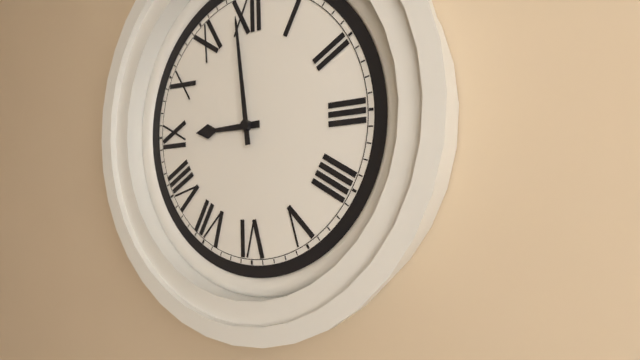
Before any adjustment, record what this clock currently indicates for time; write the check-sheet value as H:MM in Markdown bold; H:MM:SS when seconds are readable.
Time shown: **8:59**
